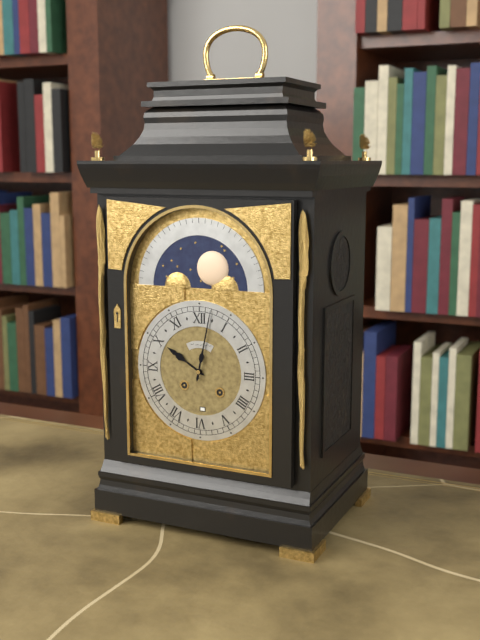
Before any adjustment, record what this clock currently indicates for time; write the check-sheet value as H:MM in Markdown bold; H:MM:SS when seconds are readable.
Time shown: **10:02**
